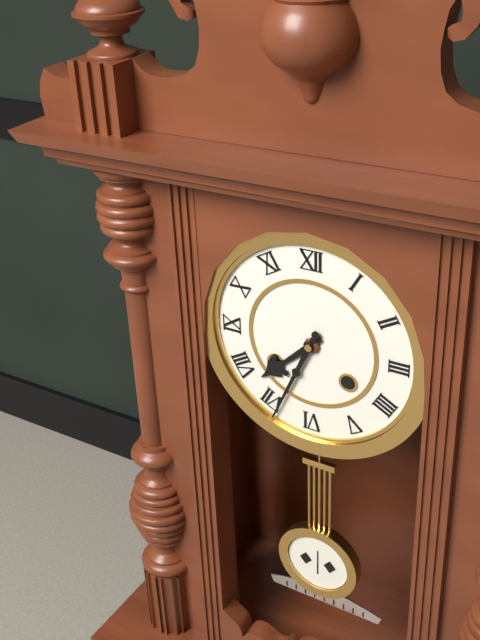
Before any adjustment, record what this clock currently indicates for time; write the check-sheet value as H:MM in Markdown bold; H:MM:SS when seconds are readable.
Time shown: **7:34**
